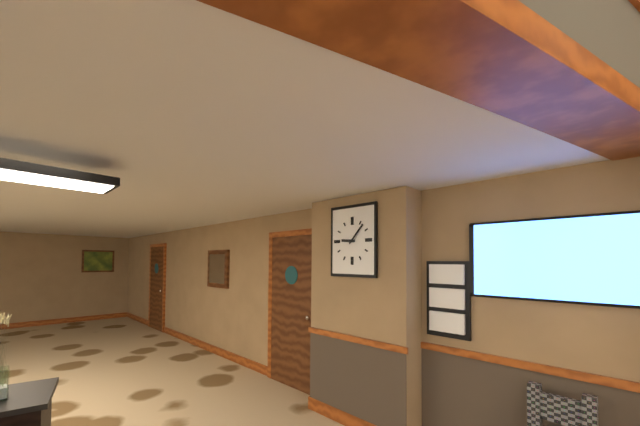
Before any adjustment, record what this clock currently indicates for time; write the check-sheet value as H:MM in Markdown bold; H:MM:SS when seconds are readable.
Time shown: **9:07**
